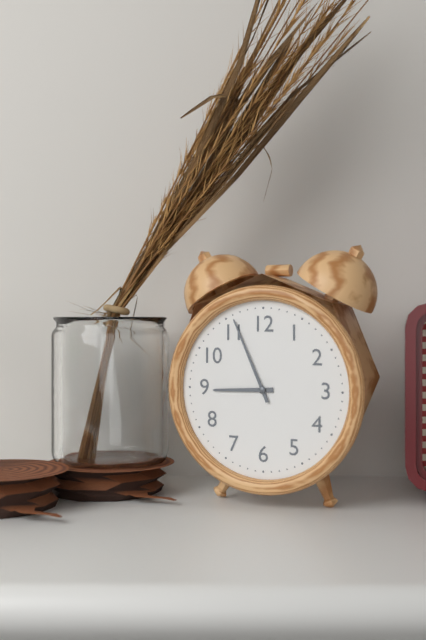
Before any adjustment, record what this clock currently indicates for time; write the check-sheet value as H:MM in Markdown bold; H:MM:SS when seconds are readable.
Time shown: **8:56**
